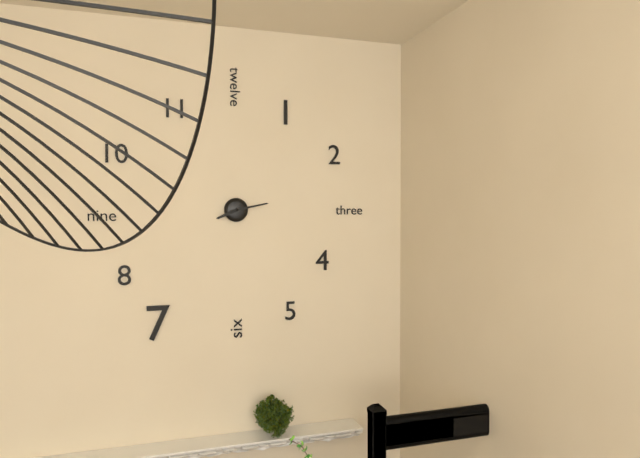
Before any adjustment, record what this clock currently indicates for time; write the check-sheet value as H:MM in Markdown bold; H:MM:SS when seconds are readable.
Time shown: **8:13**
